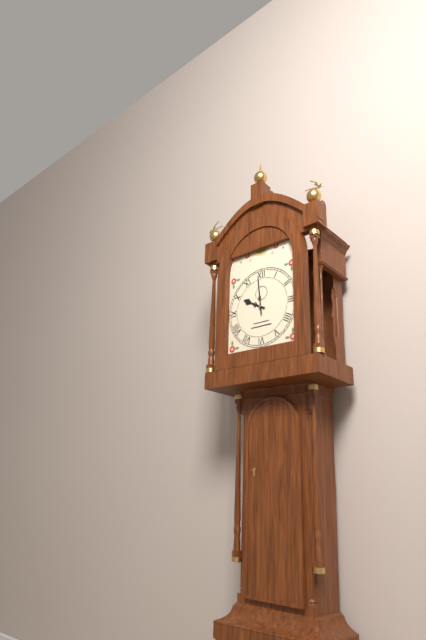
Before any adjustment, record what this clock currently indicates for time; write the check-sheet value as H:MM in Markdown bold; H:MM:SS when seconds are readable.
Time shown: **9:59**
